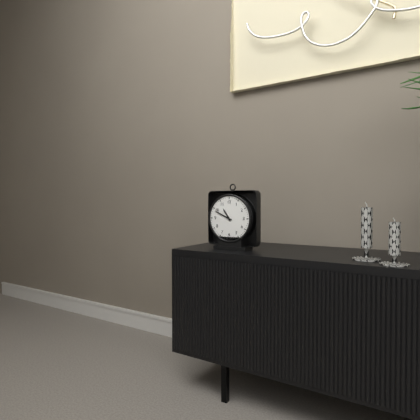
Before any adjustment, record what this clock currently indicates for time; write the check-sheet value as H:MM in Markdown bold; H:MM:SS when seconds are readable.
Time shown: **10:49**
